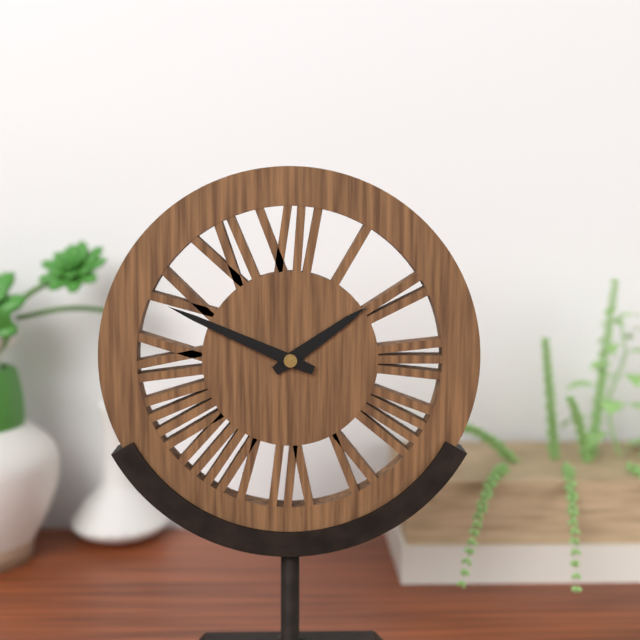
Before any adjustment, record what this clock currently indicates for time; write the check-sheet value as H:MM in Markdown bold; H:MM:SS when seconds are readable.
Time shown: **1:49**
